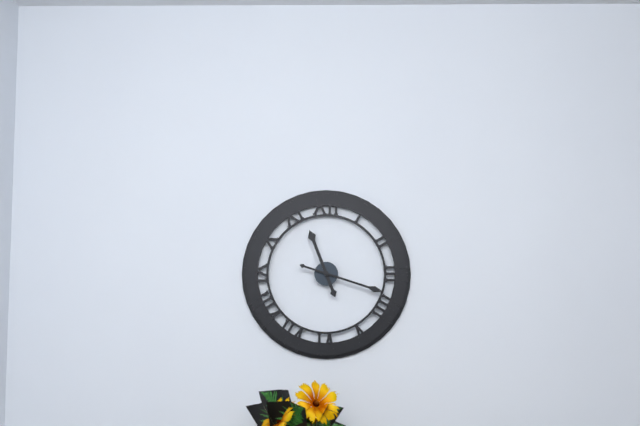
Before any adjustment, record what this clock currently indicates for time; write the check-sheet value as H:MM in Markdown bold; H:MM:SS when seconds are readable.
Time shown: **11:18**
